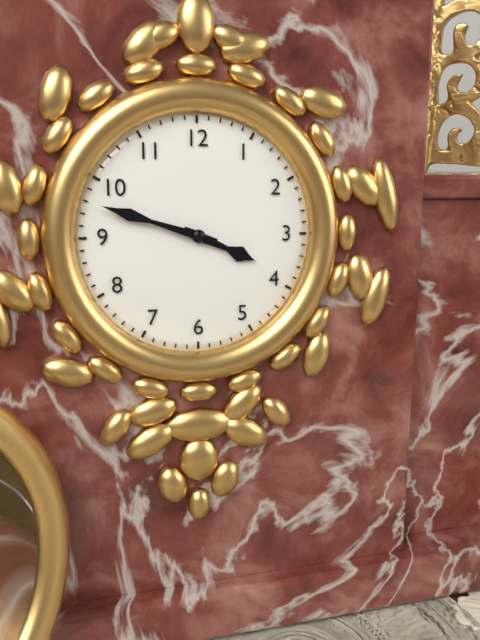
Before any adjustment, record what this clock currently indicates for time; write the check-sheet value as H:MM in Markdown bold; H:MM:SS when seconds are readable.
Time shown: **3:48**
